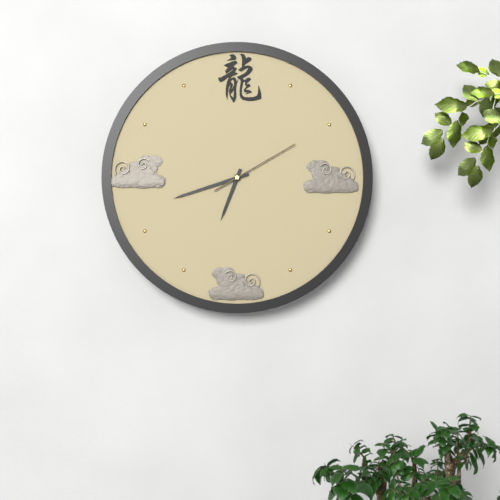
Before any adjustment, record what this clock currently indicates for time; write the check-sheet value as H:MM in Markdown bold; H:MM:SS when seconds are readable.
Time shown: **6:42:10**
